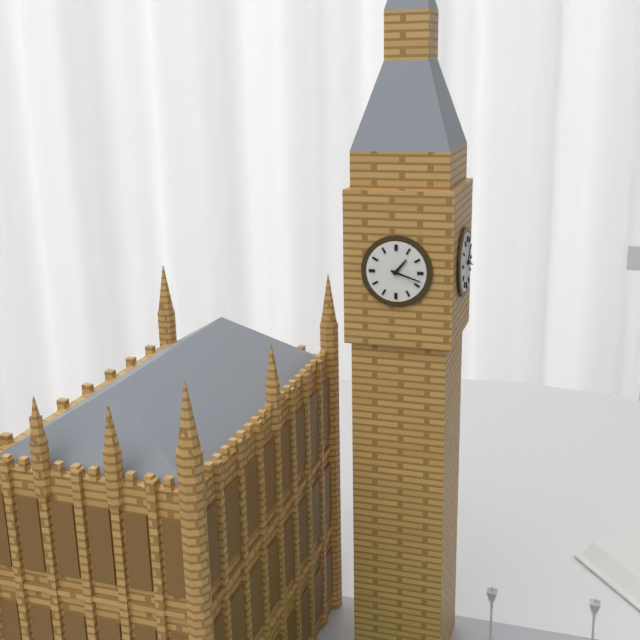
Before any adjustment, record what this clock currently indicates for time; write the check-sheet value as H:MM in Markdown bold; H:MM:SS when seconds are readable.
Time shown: **1:18**
